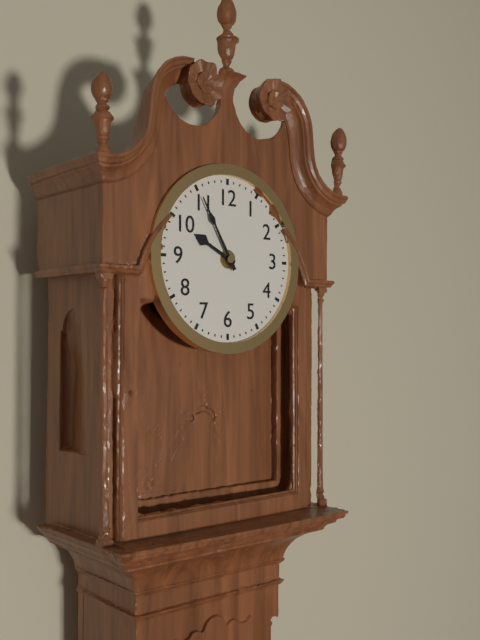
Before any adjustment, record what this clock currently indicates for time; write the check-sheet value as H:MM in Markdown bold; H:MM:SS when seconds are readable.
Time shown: **9:55**
